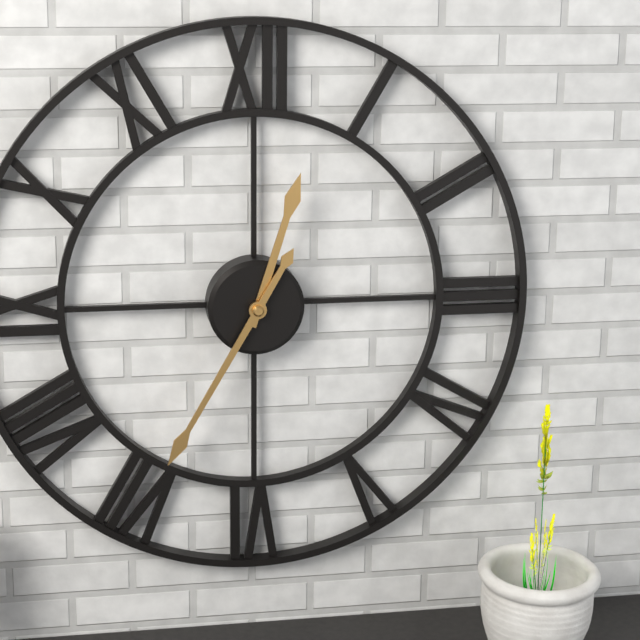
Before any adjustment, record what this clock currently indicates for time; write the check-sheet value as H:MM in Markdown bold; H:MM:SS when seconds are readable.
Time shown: **12:35**
